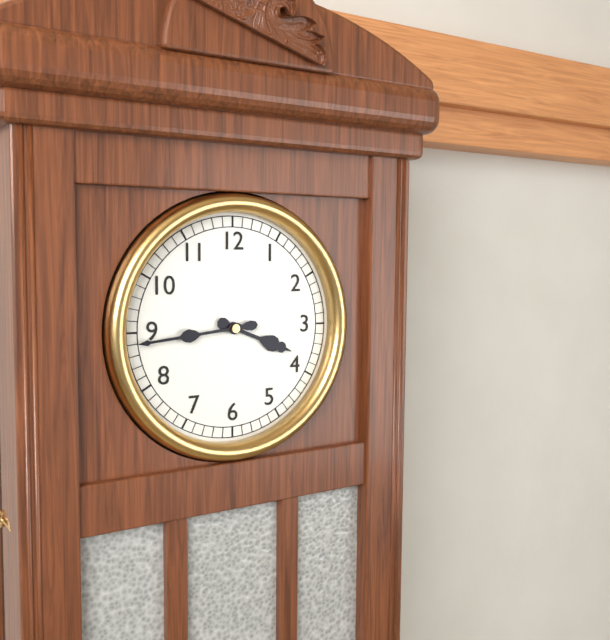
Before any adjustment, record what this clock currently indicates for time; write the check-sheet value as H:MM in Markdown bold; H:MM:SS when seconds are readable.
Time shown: **3:44**
